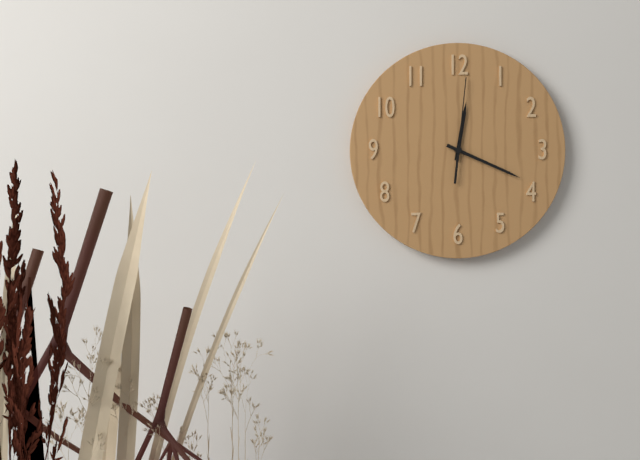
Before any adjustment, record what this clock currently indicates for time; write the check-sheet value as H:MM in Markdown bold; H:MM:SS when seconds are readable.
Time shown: **12:19:01**
